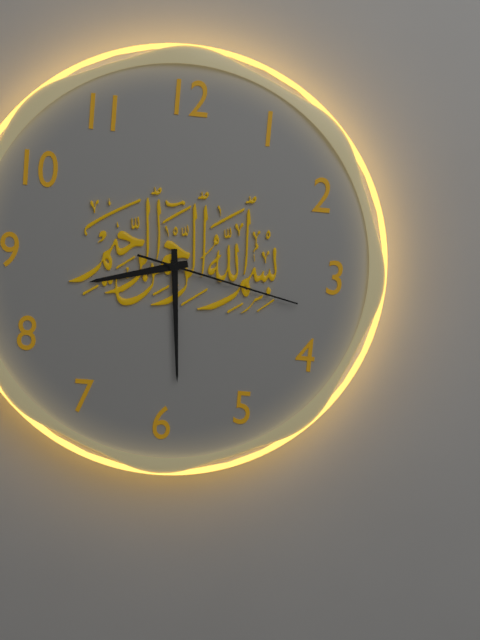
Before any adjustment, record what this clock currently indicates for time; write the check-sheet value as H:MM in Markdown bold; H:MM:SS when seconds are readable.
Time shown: **8:29:17**
